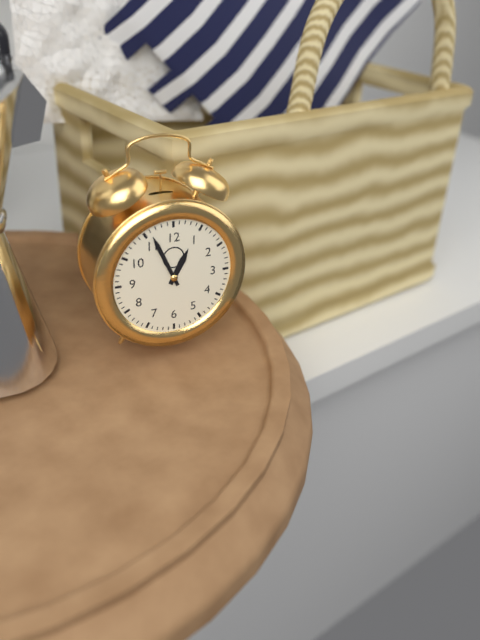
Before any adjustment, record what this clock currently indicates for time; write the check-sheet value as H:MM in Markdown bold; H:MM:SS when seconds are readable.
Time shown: **12:56**
